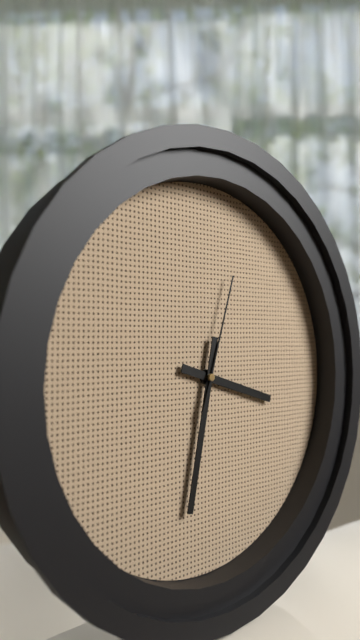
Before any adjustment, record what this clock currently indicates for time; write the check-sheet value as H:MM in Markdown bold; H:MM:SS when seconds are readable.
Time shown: **3:32:03**
